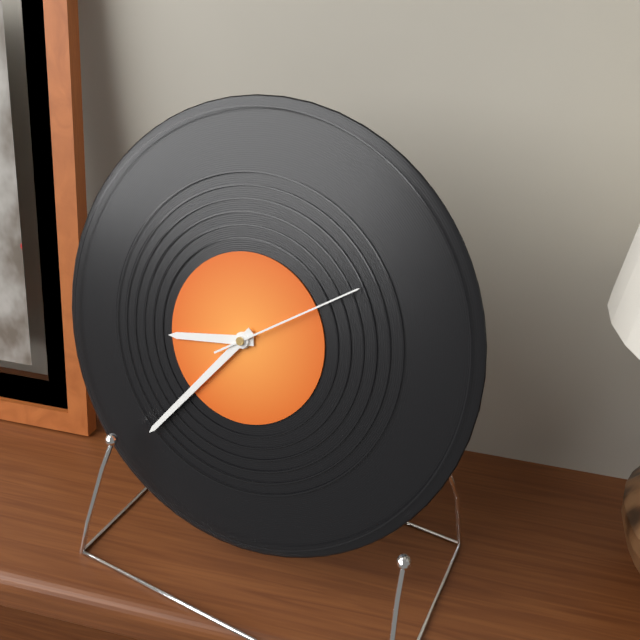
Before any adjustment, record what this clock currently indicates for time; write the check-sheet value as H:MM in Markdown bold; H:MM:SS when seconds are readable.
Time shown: **8:36:09**
